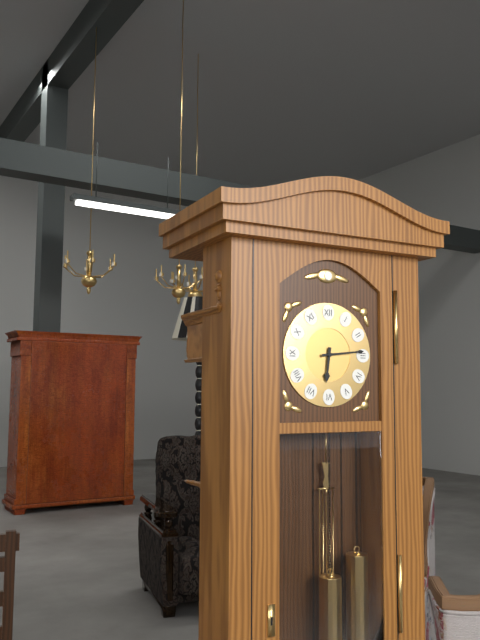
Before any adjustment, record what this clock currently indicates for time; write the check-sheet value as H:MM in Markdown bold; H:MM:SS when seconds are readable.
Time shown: **6:14**
